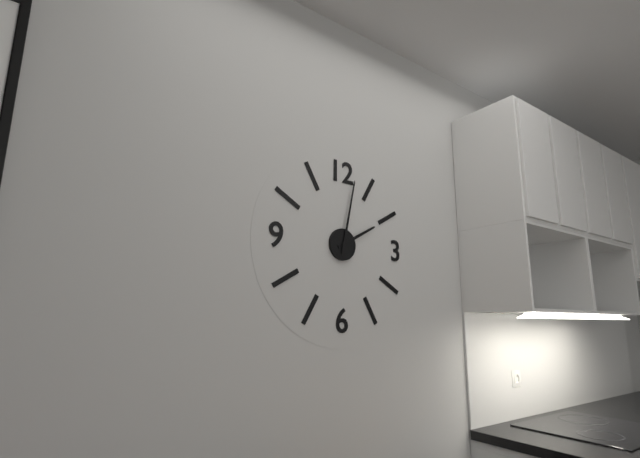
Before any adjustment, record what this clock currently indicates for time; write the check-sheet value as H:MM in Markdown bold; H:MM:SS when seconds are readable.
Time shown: **2:02**
